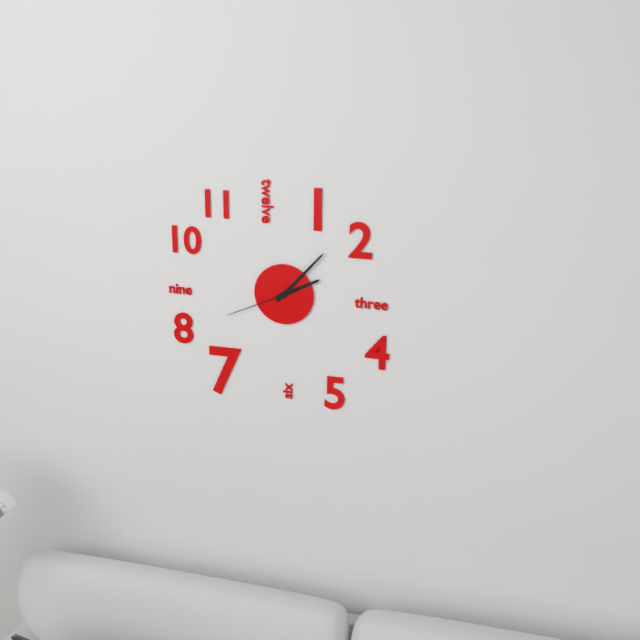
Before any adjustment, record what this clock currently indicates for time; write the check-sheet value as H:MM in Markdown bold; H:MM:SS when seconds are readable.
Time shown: **2:07:41**
